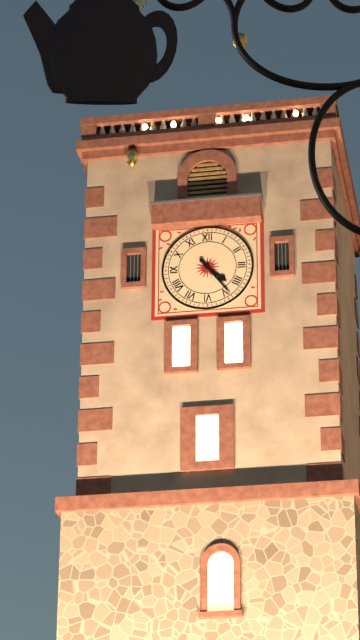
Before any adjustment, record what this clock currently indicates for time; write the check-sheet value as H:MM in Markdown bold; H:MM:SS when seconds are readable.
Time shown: **4:24**
